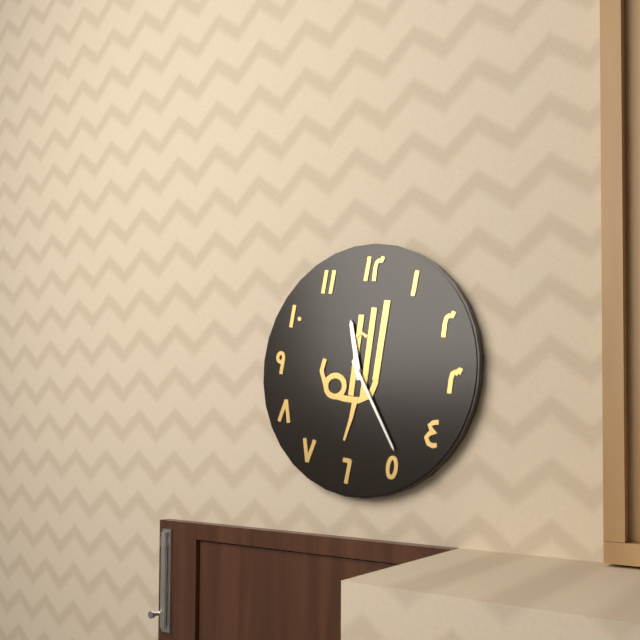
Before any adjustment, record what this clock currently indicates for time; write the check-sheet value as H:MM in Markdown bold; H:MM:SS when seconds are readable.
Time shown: **11:24**
